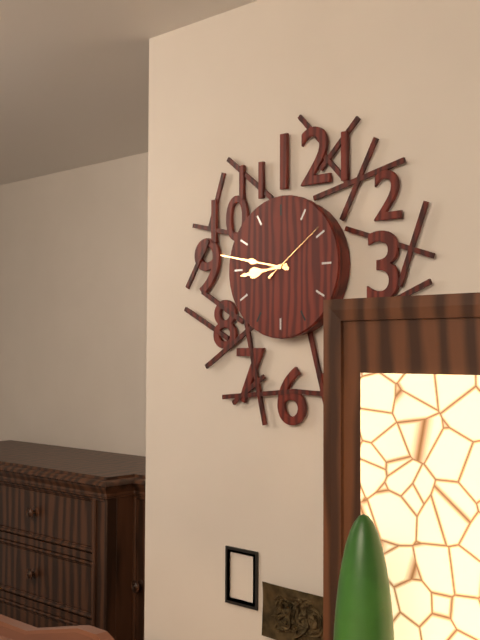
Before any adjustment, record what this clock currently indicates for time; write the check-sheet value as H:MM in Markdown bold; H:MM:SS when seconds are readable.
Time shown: **8:47:09**
